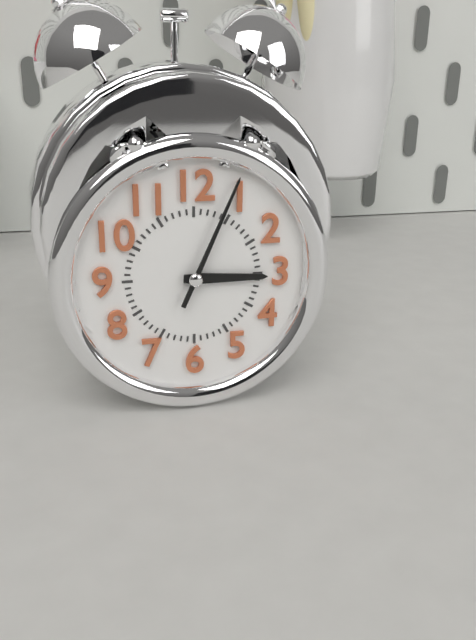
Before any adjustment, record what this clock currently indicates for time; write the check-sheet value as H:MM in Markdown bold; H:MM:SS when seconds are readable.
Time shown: **3:04**
